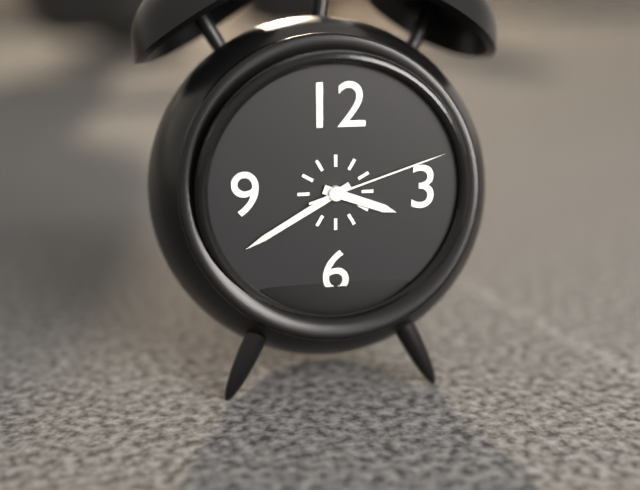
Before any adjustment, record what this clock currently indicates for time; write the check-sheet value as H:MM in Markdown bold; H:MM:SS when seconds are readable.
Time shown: **3:40:12**
